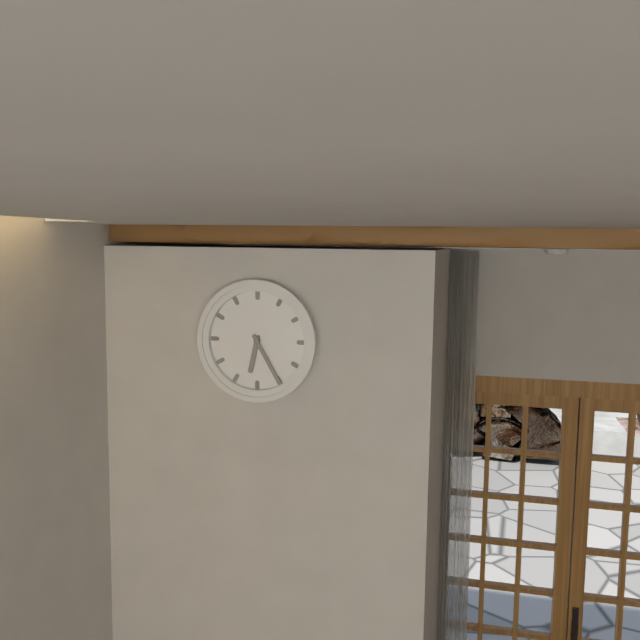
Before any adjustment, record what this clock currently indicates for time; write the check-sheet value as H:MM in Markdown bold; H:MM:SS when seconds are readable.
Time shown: **6:25**
